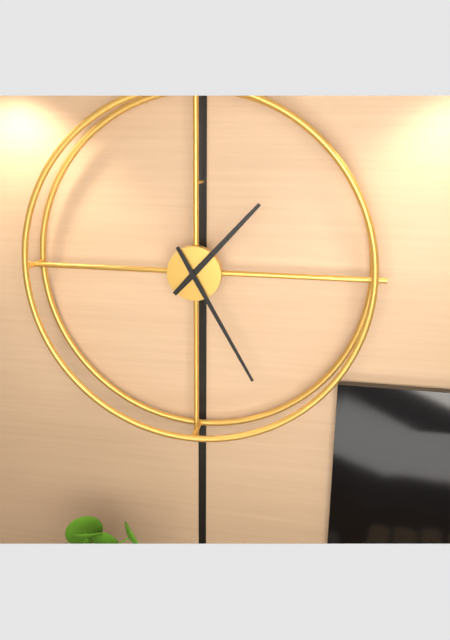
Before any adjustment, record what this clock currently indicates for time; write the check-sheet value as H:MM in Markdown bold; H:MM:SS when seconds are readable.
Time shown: **1:25**
